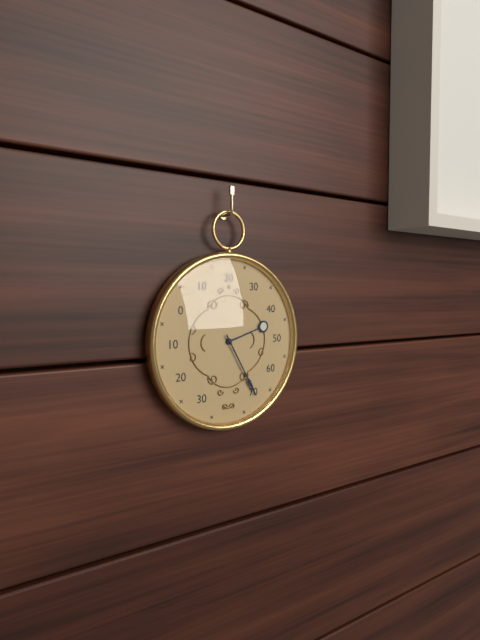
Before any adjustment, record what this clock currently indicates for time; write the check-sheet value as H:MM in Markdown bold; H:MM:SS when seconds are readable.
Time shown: **2:25**
